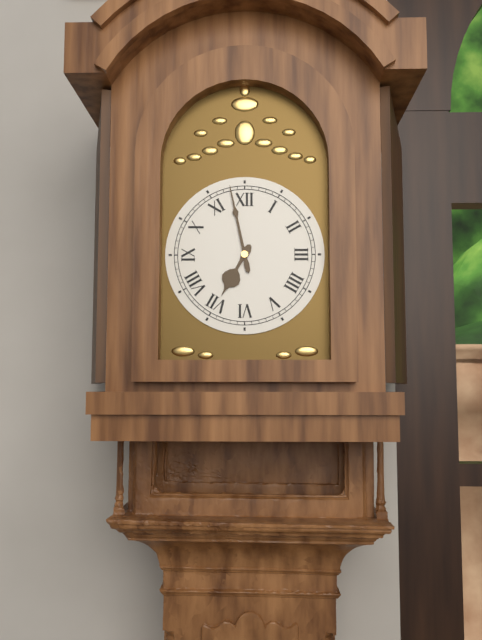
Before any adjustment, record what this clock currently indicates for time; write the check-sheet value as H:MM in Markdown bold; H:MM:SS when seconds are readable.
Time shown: **6:58**
